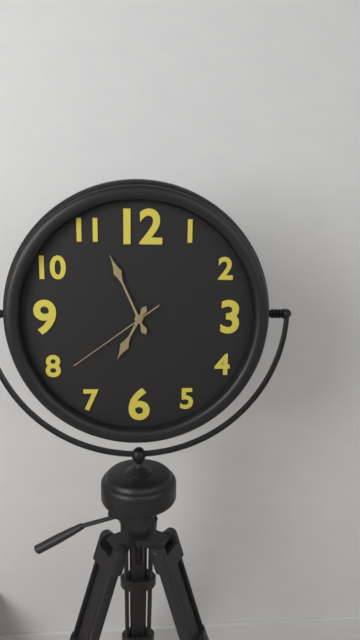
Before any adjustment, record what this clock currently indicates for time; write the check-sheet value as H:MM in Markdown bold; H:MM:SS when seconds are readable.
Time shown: **6:56:39**
